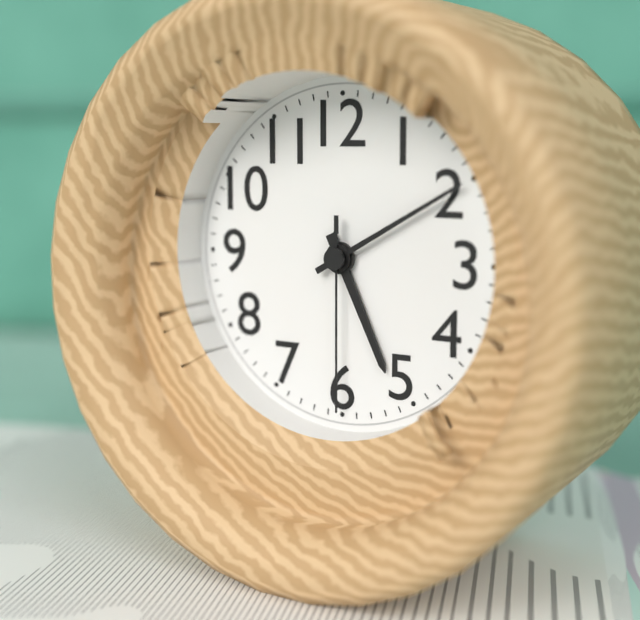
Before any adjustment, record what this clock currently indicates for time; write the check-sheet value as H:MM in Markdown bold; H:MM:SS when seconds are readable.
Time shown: **5:10:30**
